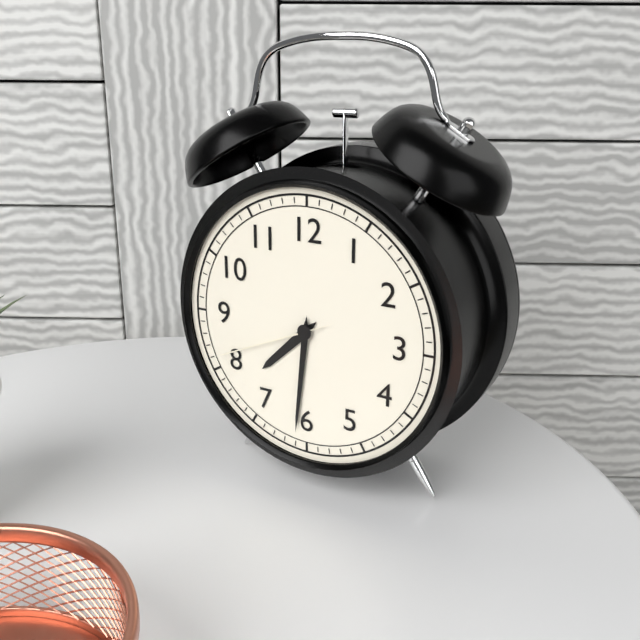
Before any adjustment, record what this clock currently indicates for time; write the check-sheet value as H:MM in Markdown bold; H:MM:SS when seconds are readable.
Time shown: **7:31:41**
